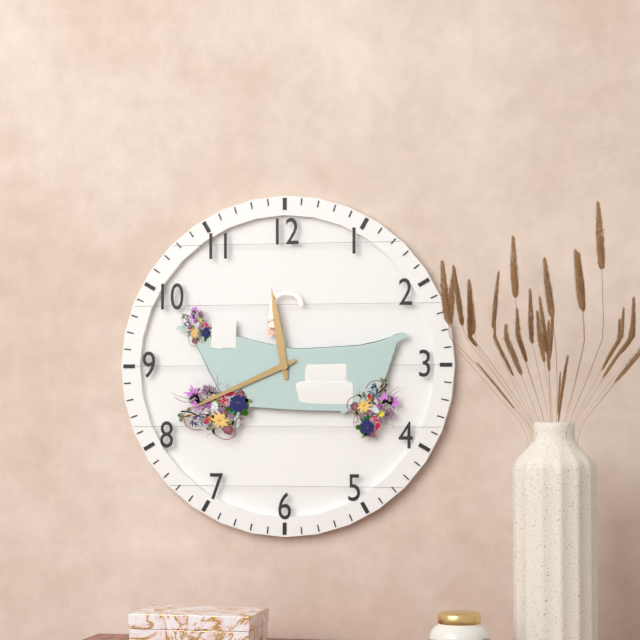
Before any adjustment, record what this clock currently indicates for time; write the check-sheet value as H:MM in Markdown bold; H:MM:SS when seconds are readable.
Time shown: **11:41**
